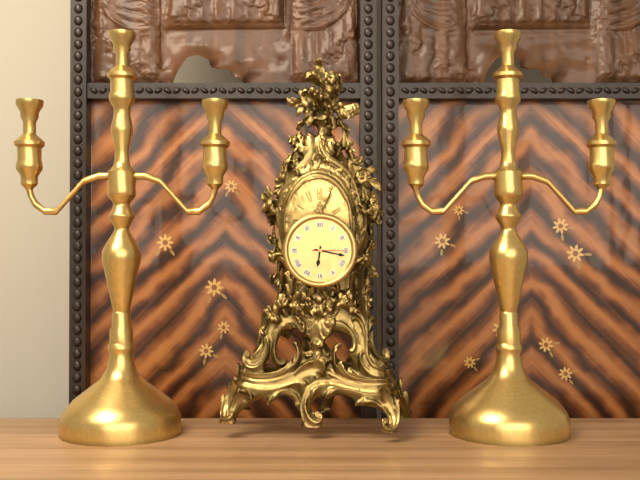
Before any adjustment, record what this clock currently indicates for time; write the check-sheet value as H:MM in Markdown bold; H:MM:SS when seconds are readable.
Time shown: **6:17**
